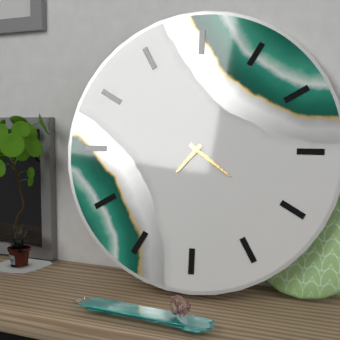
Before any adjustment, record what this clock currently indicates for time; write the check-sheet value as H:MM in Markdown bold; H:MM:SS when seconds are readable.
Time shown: **7:21**
